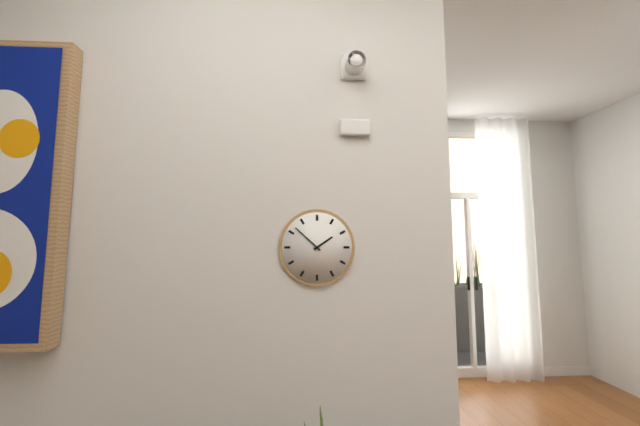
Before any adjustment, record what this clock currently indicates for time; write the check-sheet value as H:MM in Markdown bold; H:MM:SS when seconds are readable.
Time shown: **1:52**
